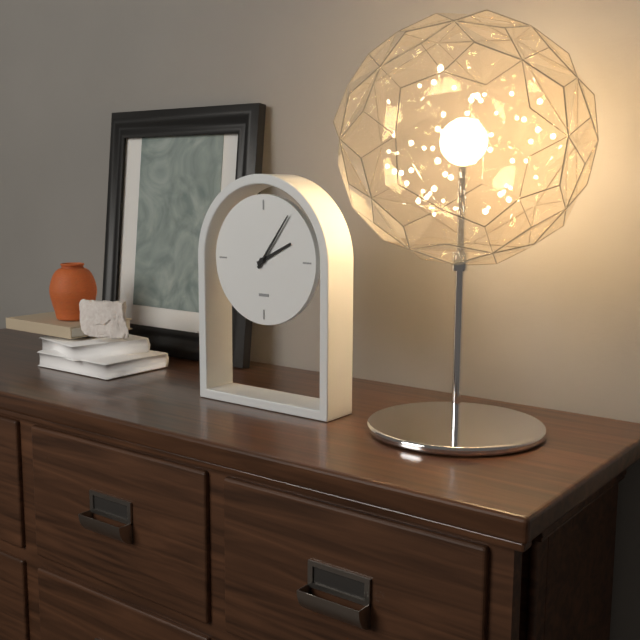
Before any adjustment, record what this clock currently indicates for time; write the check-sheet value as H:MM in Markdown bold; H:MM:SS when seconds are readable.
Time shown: **2:06**
